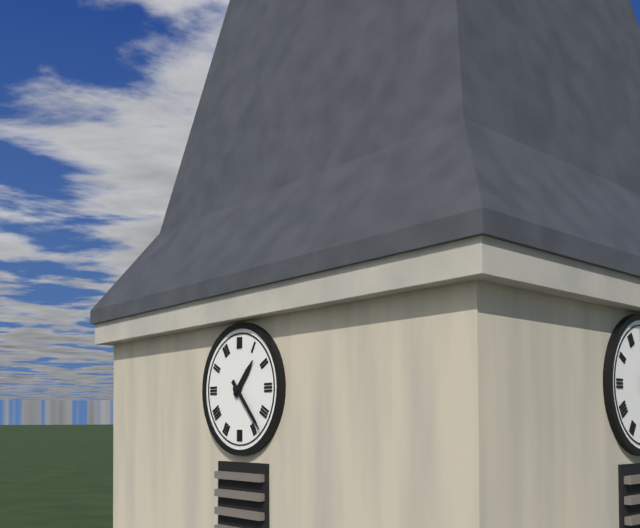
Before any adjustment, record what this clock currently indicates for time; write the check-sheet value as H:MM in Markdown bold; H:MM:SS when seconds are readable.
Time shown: **1:23**
